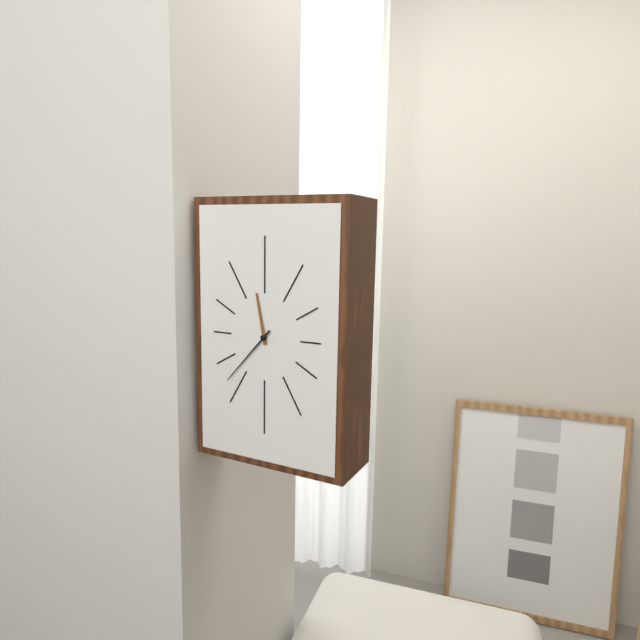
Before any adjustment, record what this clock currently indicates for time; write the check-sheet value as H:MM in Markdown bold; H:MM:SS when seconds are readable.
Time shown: **11:37**
